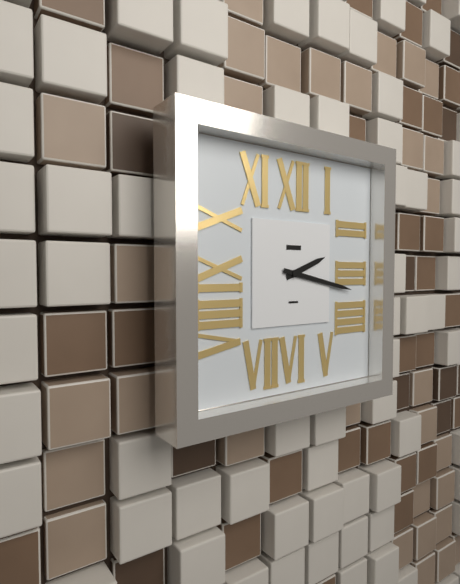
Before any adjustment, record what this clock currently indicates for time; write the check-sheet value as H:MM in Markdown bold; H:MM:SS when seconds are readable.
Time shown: **2:17**
